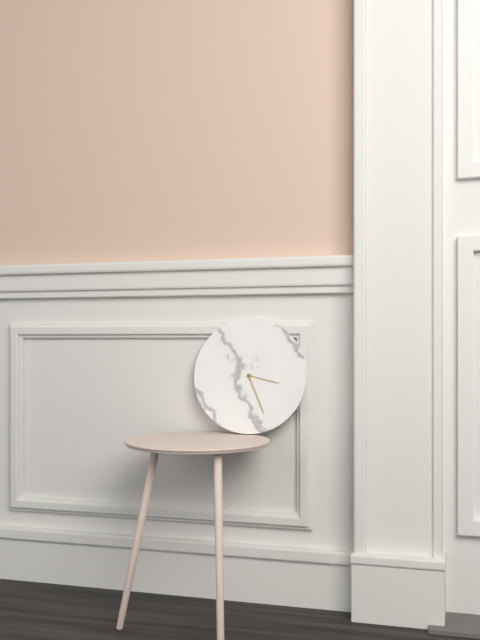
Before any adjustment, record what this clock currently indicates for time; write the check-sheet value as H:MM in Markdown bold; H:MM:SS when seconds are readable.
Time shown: **3:26**
